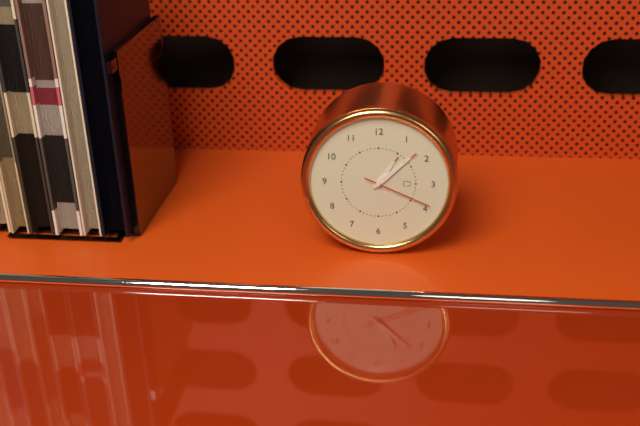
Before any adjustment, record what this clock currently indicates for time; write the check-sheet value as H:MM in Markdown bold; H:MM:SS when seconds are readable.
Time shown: **1:08:19**
